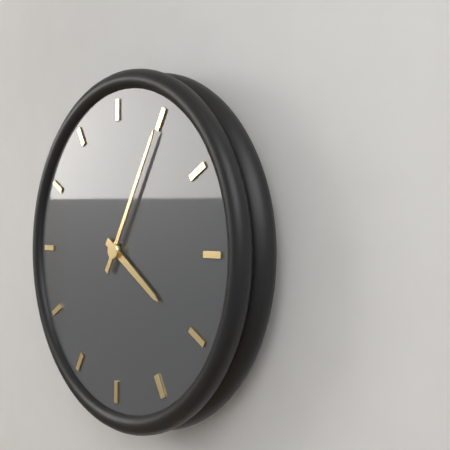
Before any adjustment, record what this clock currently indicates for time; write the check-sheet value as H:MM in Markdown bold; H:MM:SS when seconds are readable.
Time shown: **4:05**
